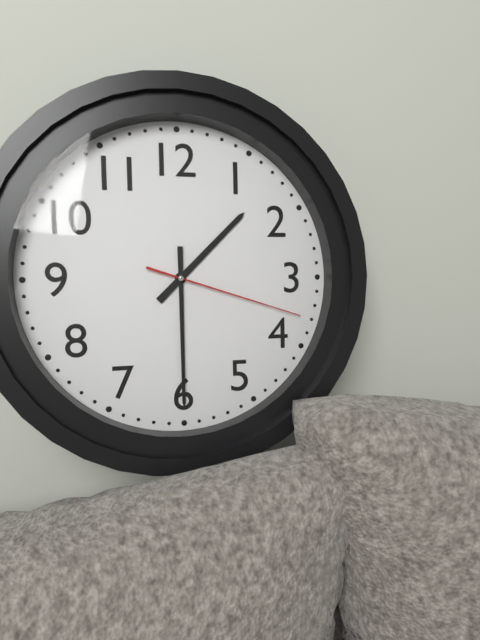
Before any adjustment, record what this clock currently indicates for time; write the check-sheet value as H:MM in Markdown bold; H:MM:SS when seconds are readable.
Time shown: **1:30:18**
